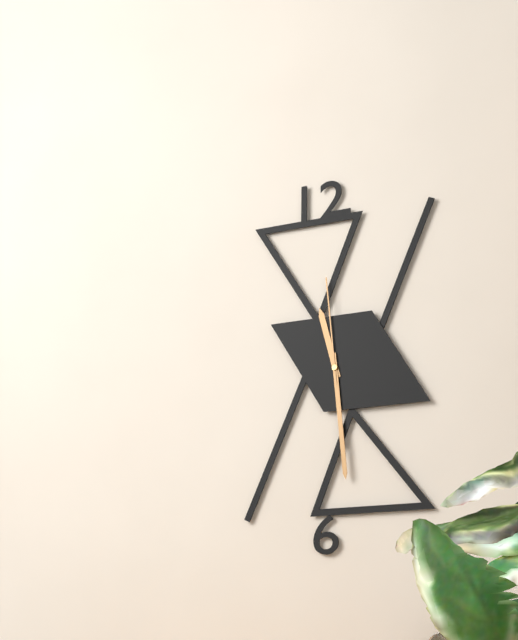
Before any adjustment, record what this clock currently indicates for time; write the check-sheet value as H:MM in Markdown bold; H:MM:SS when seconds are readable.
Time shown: **11:29:59**
